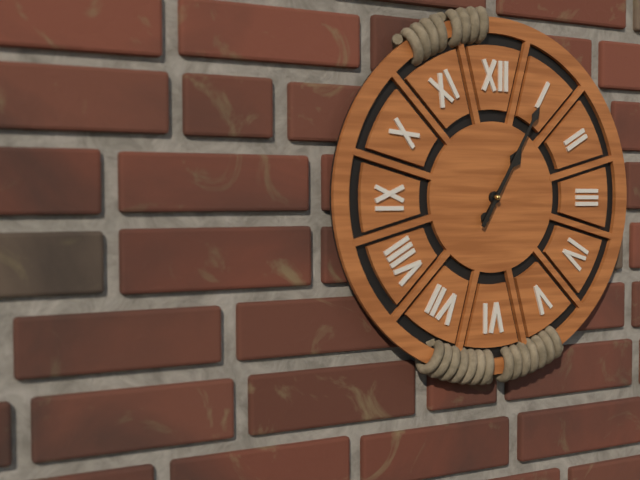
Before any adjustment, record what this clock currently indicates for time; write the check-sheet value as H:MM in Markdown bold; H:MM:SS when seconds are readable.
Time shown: **1:05**
